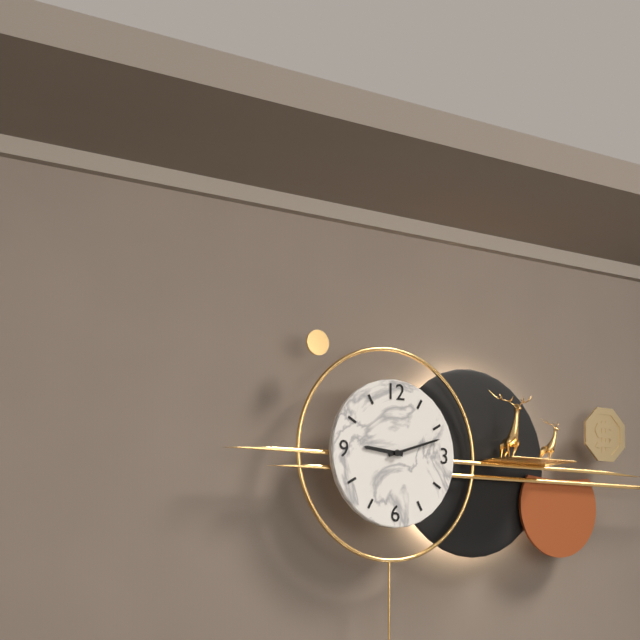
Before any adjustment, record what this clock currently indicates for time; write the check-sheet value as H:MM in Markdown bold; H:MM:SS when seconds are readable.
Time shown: **9:12**
